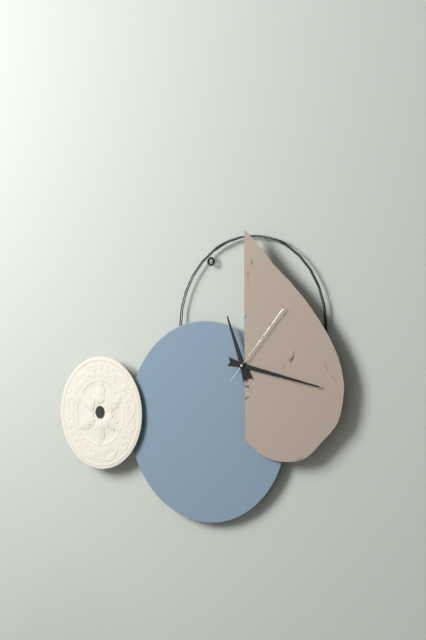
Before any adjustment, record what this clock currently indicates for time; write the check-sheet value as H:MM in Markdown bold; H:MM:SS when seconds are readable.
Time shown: **11:17:07**
